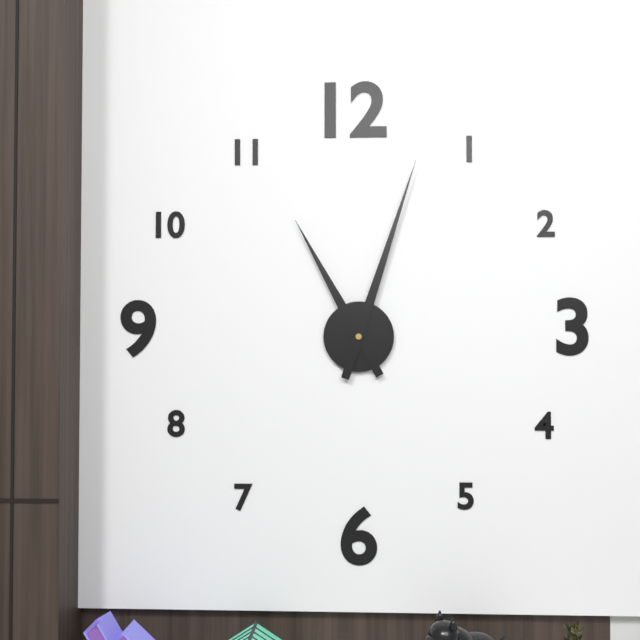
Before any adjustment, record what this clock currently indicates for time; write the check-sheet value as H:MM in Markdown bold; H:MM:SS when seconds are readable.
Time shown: **11:03**
